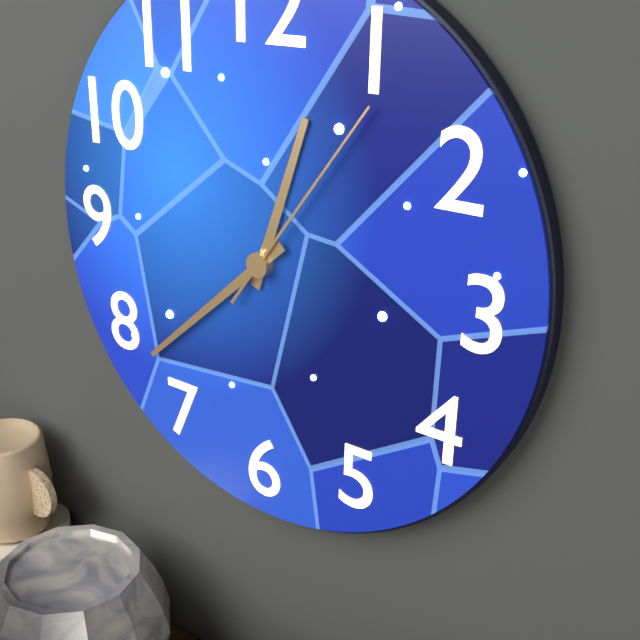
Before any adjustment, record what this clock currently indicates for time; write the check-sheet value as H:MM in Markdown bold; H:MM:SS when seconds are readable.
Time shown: **12:38:06**
